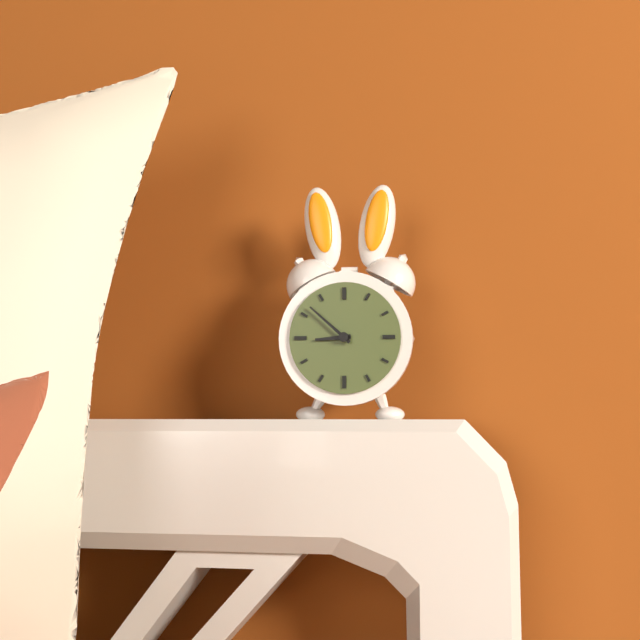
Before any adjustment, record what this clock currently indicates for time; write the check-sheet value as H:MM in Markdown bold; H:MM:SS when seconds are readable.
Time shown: **8:52**
